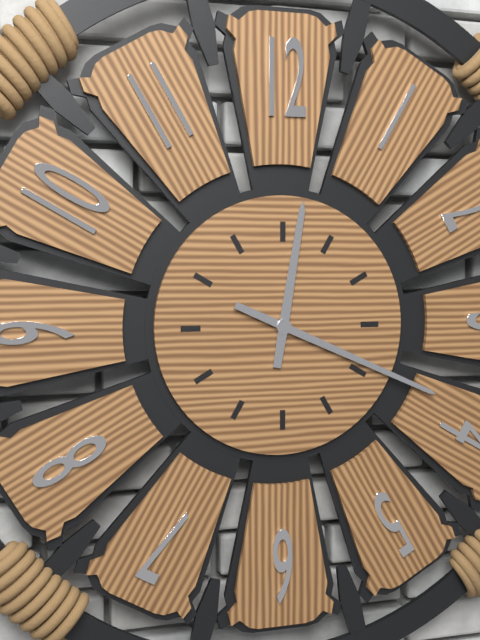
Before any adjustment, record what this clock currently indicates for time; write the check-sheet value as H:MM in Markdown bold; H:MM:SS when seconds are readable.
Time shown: **12:19**
